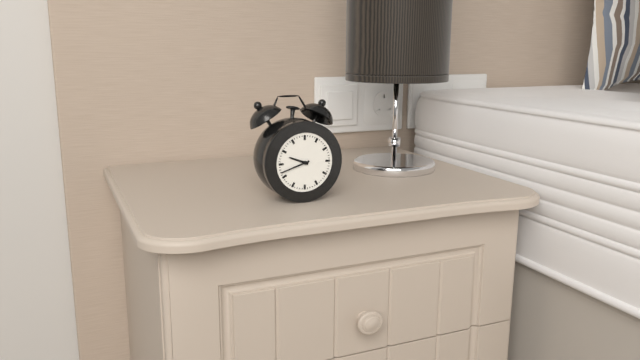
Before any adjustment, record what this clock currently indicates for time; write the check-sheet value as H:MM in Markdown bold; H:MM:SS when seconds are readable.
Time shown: **9:42**
